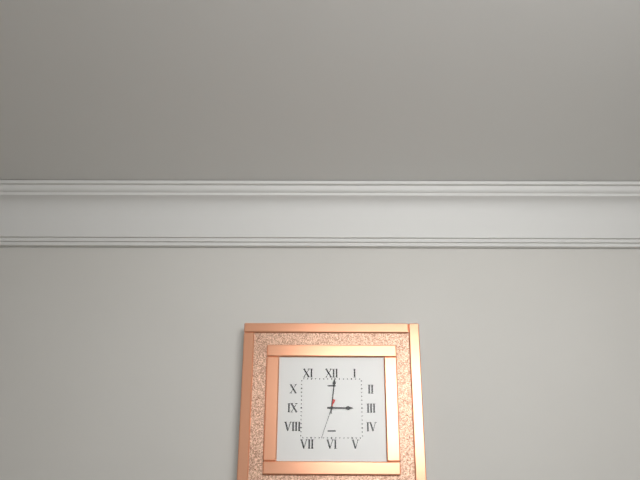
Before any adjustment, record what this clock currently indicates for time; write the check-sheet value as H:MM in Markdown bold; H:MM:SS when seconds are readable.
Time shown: **3:01**
